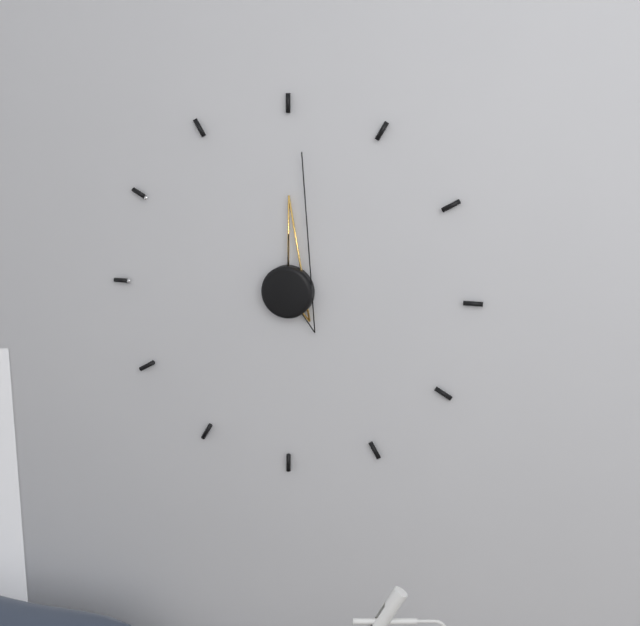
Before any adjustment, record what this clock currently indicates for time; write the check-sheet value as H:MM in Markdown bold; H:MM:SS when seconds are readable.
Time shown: **12:01**
